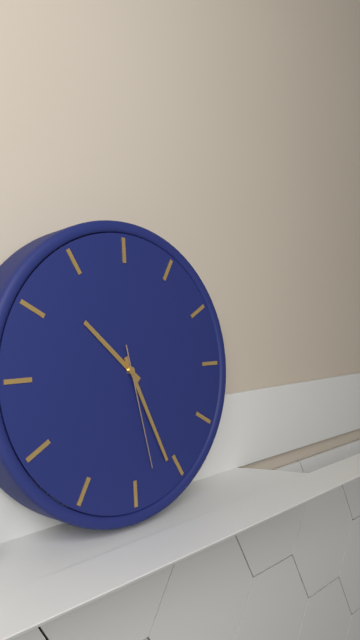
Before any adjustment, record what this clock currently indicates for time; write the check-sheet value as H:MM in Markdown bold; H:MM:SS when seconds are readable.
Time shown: **10:26:28**
